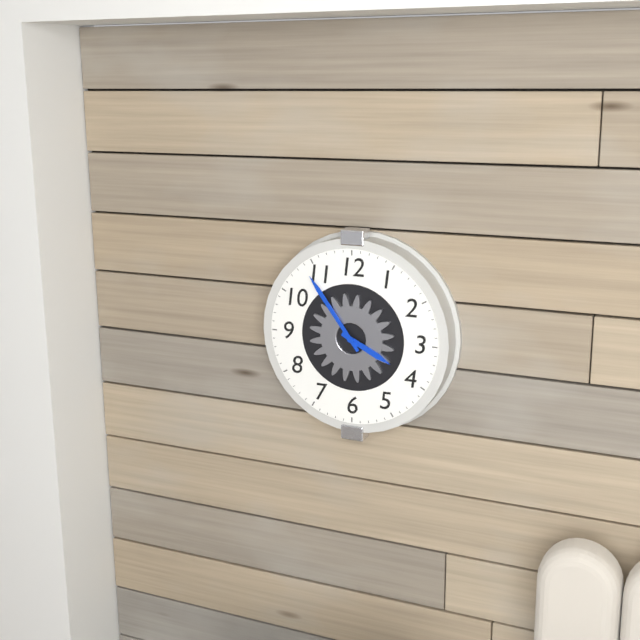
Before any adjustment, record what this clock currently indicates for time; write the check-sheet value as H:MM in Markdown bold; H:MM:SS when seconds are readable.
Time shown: **3:54**
